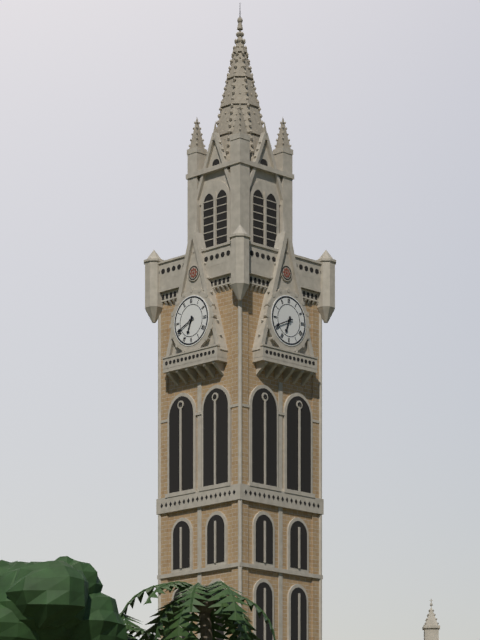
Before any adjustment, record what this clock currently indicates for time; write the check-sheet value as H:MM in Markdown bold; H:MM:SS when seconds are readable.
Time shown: **6:41**
